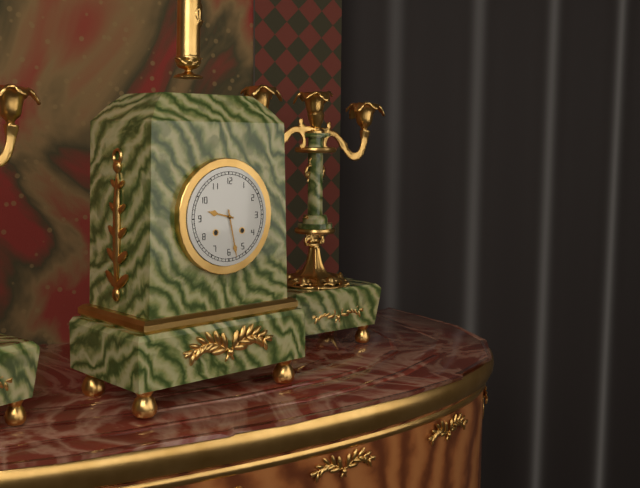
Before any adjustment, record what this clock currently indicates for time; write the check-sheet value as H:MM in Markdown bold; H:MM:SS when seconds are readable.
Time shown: **9:28**
